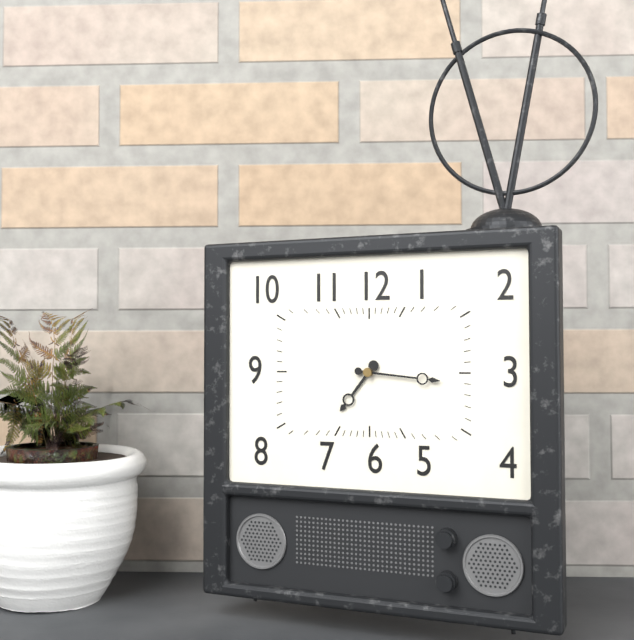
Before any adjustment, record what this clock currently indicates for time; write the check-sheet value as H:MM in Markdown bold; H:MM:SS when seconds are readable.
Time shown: **7:16**
